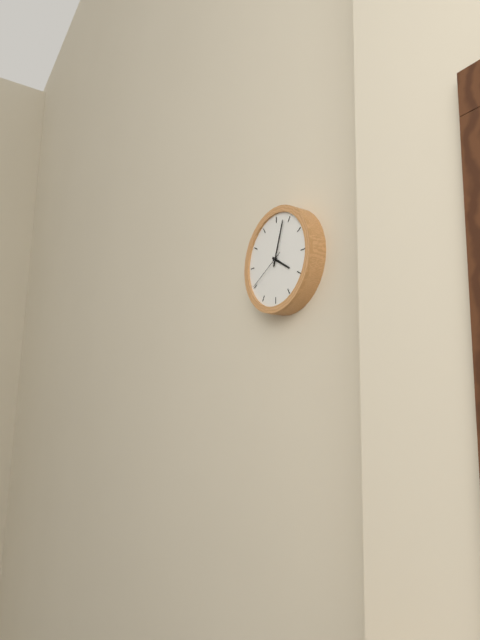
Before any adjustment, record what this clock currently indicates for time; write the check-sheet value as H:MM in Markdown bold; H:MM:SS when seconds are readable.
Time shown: **4:03**
